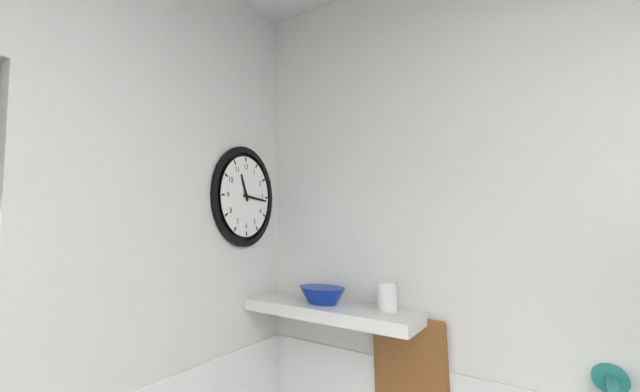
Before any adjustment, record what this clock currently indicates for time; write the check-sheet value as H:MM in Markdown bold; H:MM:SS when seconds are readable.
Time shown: **11:16**
